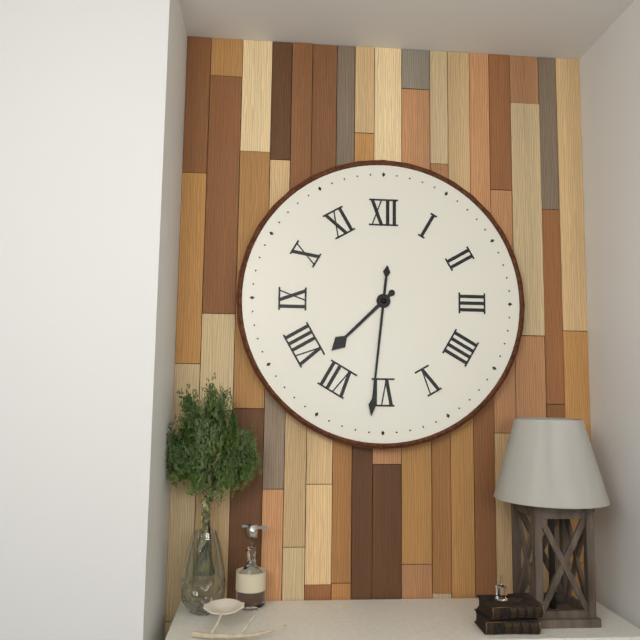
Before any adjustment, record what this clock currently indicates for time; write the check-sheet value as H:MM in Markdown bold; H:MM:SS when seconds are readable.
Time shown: **7:31**
